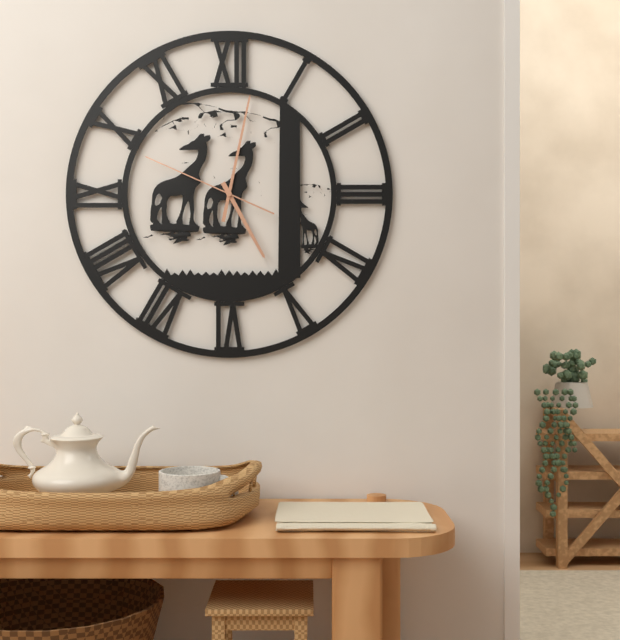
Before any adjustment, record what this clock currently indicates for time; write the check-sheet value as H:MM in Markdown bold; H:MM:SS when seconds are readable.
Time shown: **5:02:49**
